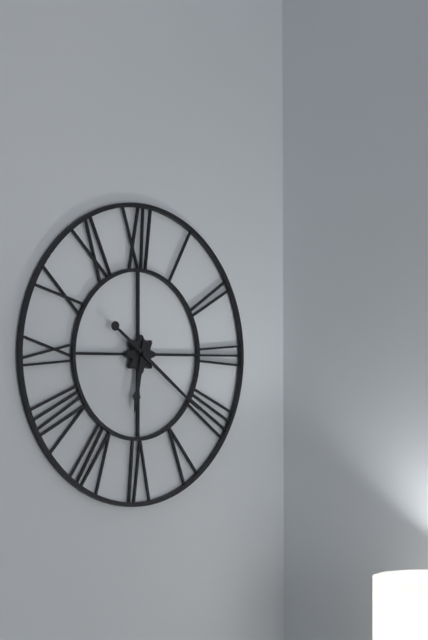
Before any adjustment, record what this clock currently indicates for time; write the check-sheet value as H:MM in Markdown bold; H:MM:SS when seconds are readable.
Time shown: **6:21**
